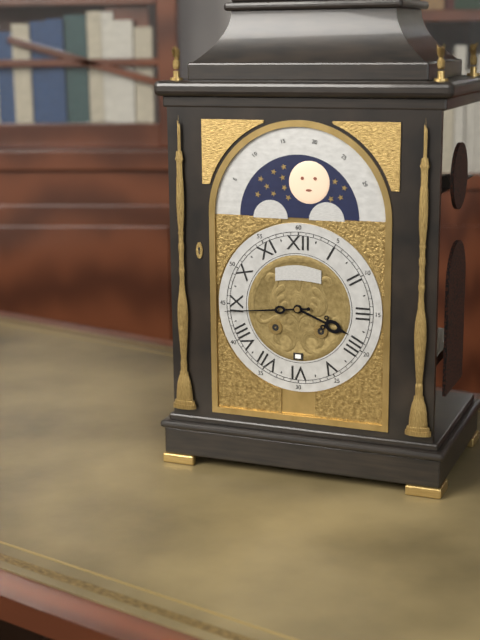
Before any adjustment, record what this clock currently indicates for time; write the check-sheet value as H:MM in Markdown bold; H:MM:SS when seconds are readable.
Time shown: **3:44**
